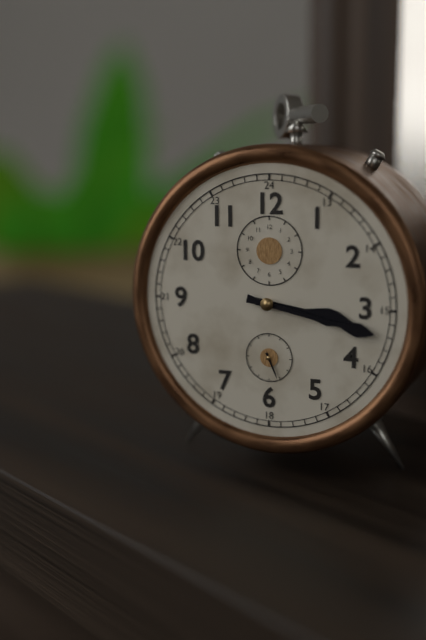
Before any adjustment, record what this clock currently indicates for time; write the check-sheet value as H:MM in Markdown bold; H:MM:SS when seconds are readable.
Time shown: **3:17**
